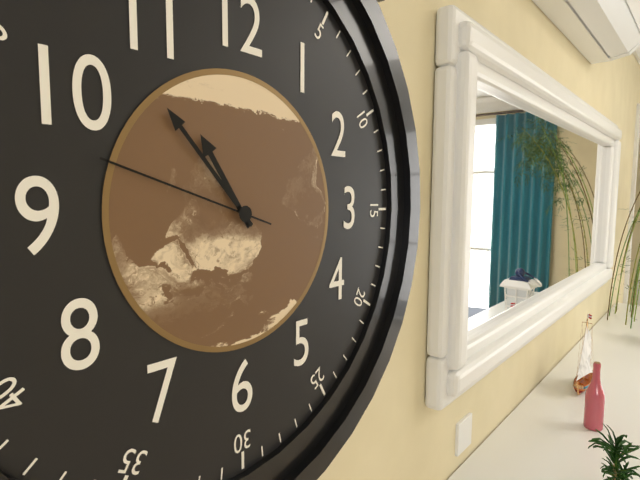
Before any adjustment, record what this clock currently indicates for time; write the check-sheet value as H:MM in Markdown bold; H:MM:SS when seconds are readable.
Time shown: **10:53:48**
